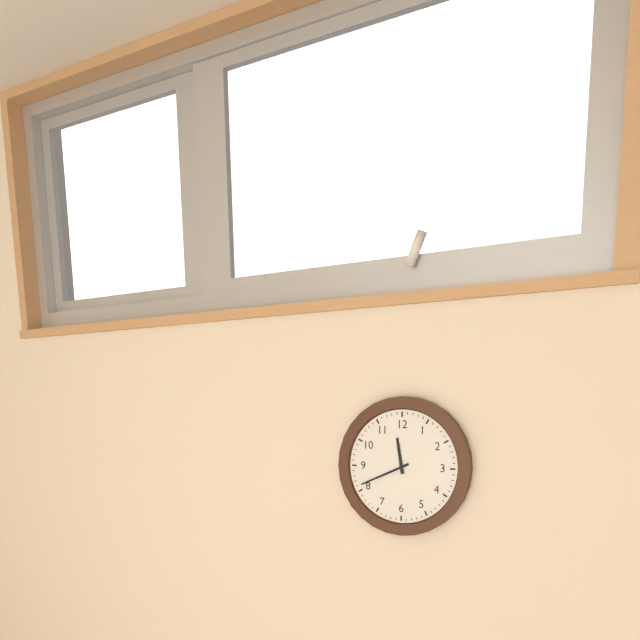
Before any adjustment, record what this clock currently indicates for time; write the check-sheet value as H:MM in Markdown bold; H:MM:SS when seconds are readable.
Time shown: **11:41**
